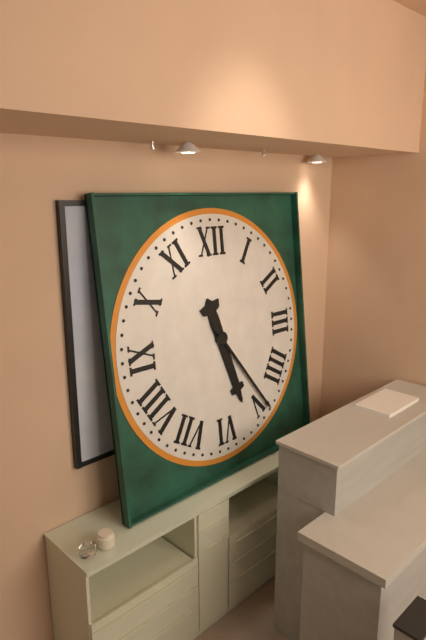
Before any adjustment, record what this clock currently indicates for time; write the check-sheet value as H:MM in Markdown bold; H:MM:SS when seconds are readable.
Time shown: **5:24**
